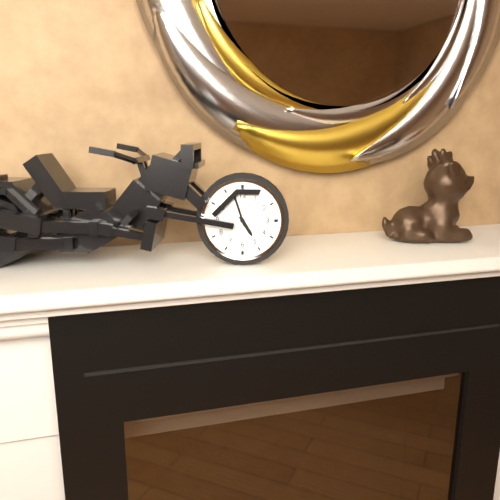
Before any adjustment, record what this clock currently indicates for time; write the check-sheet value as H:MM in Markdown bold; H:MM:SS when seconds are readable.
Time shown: **4:57**
